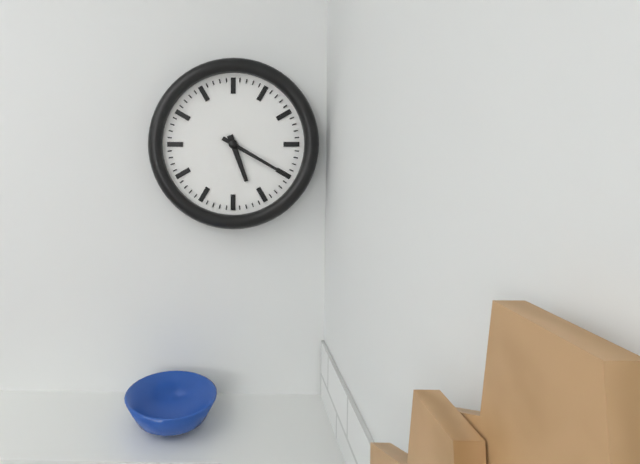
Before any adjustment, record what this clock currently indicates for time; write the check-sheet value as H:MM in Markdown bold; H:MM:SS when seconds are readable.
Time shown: **5:20**
